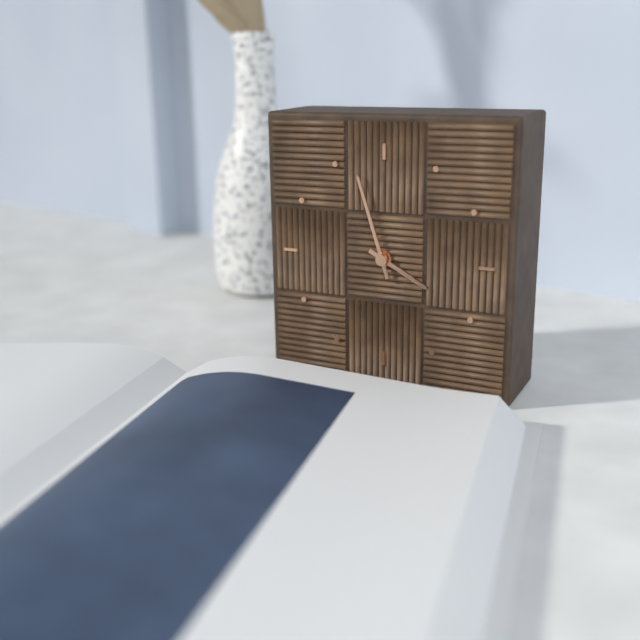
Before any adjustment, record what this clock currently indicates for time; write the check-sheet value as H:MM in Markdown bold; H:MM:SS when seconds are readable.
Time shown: **3:57**
